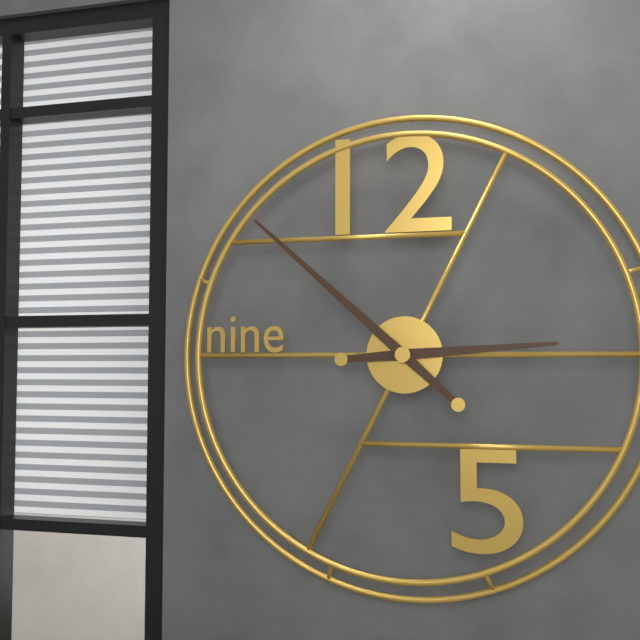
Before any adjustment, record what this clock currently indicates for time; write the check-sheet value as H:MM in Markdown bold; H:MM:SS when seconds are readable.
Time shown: **2:52**
